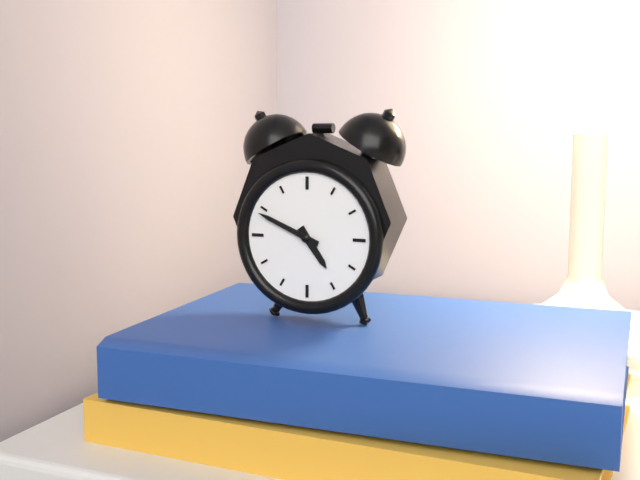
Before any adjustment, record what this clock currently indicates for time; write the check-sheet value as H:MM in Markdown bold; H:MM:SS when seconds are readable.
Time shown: **4:49**
